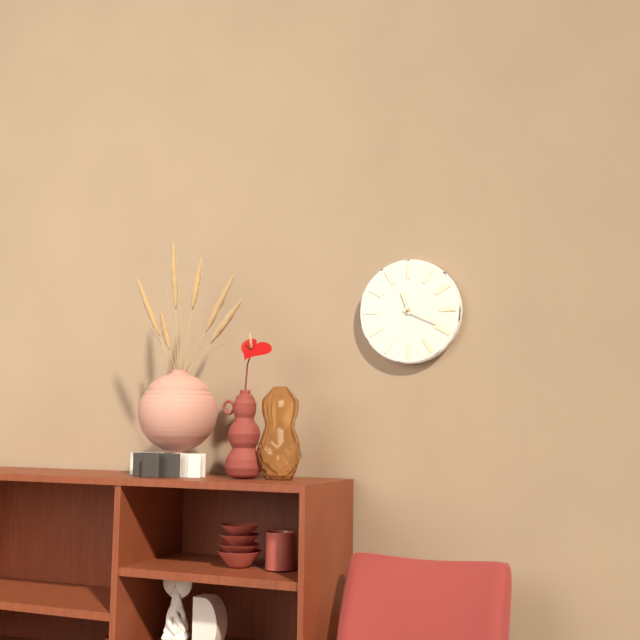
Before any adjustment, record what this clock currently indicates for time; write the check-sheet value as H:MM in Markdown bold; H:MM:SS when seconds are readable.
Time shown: **11:19**
